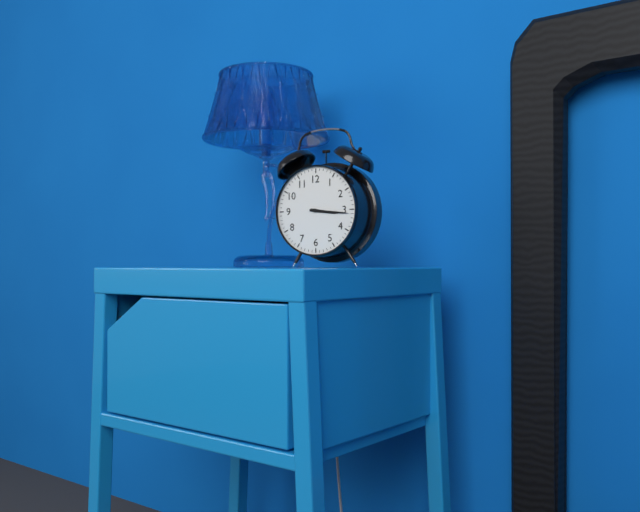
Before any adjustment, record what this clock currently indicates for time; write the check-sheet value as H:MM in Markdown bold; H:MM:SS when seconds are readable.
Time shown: **3:16**
